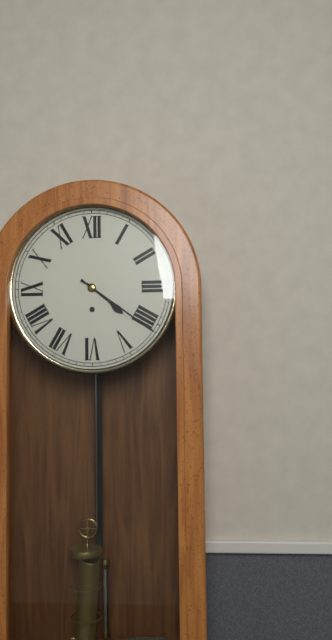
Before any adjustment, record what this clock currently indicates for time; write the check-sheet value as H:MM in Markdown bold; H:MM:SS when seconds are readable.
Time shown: **4:21**
